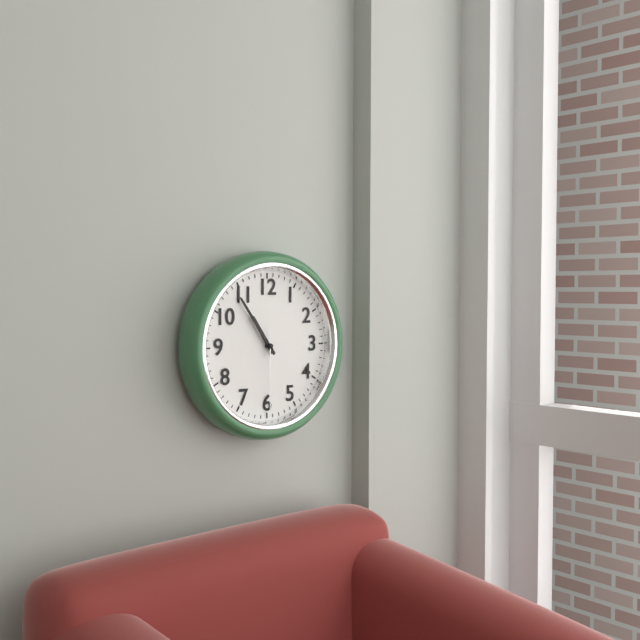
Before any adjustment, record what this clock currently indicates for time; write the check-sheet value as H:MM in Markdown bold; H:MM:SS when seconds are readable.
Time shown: **10:54:30**
